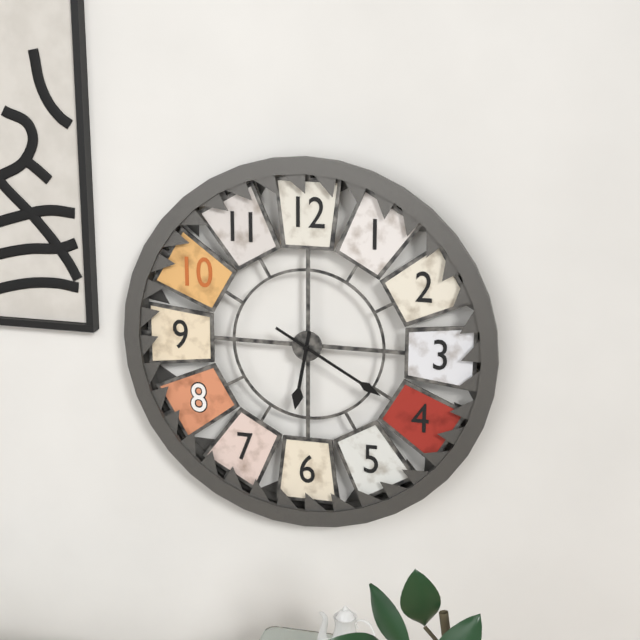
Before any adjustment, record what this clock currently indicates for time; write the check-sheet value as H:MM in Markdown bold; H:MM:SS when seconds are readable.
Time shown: **6:20**
